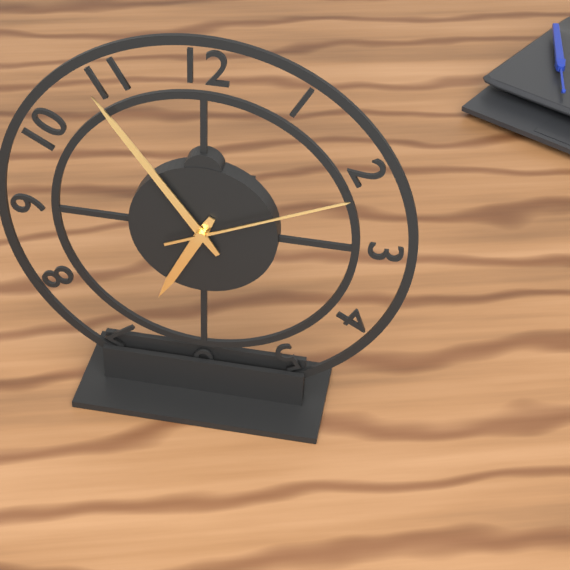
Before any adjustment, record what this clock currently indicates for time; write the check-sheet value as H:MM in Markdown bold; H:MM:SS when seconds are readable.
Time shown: **6:54:11**
